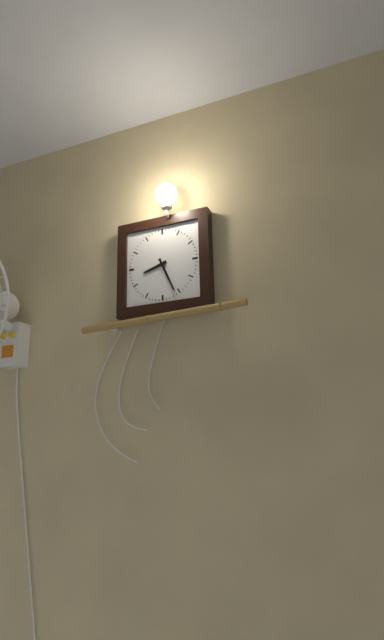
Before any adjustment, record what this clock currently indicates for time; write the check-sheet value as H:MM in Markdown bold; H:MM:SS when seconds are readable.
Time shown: **8:26**
